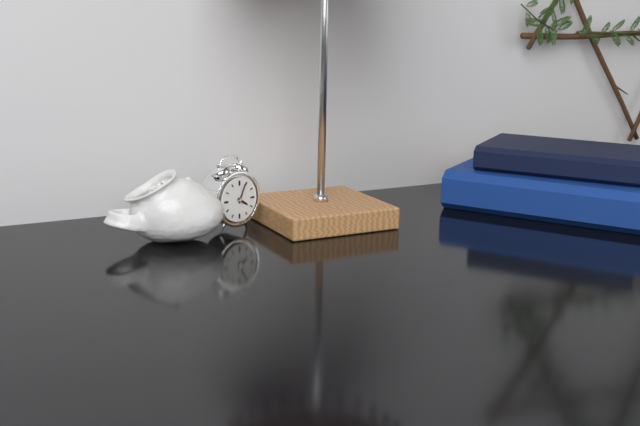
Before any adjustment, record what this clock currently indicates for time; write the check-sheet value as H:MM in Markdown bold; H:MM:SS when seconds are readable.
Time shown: **4:04**
